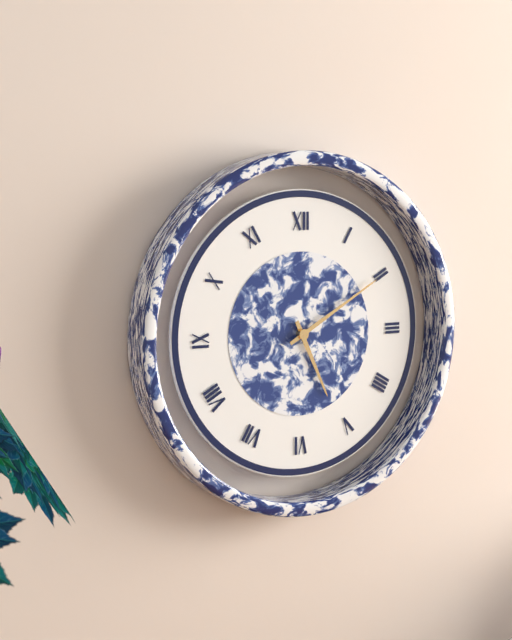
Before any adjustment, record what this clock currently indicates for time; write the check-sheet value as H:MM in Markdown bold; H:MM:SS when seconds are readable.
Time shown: **5:10**
